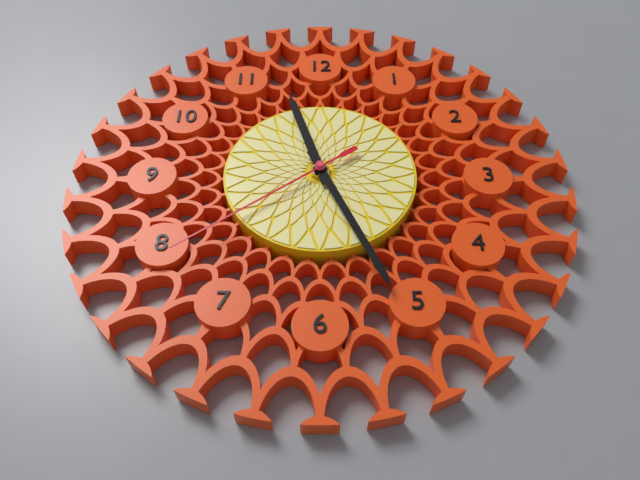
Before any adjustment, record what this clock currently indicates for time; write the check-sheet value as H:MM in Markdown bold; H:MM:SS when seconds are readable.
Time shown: **11:26:39**
